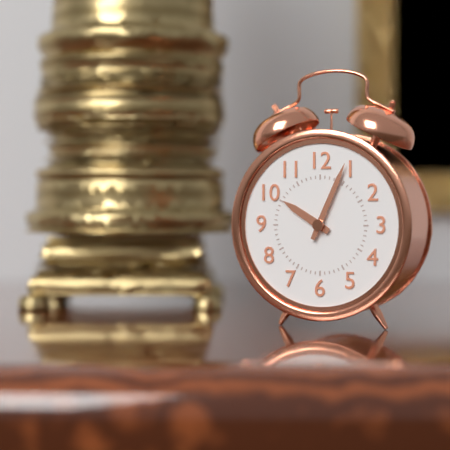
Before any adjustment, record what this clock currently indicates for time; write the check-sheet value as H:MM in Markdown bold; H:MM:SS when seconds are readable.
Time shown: **10:04**
